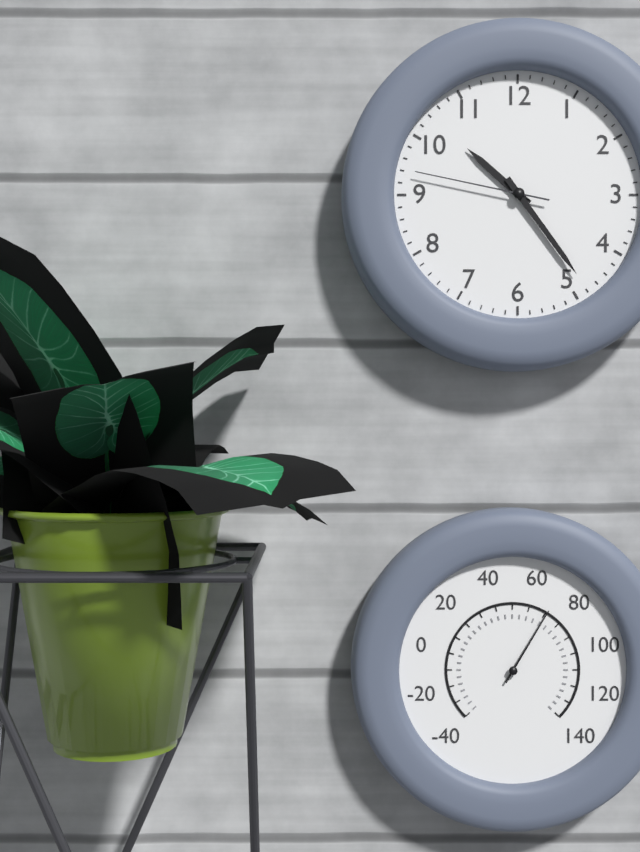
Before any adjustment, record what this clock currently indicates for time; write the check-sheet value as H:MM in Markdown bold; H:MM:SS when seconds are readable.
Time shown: **10:24:47**
